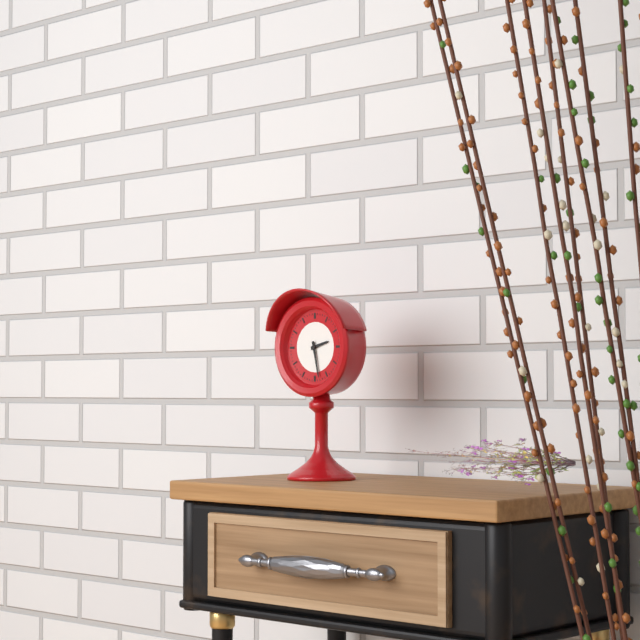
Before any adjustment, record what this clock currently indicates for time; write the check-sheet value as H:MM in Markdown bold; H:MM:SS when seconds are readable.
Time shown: **2:28**
